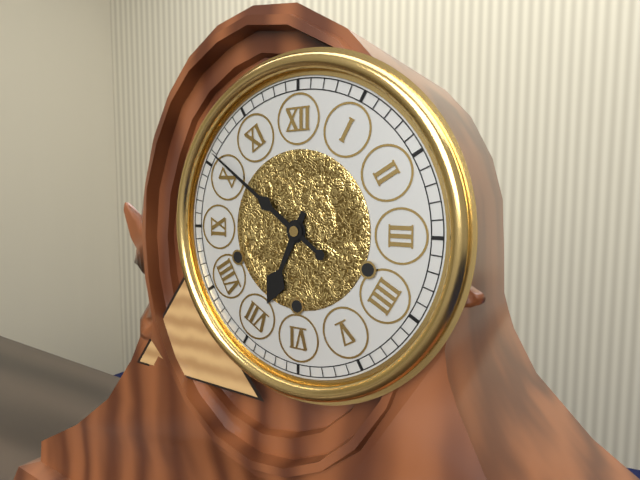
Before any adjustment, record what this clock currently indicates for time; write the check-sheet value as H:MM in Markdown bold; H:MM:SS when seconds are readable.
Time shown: **6:51**
